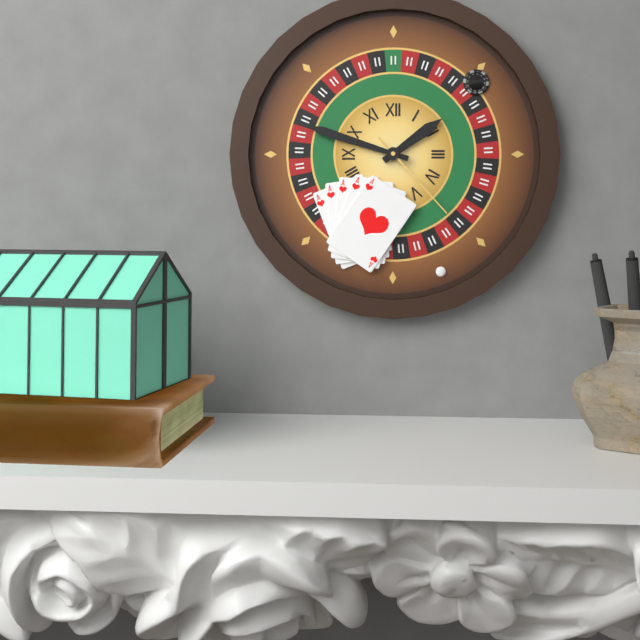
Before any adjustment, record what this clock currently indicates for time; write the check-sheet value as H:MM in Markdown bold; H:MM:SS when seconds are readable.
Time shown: **1:48:23**
